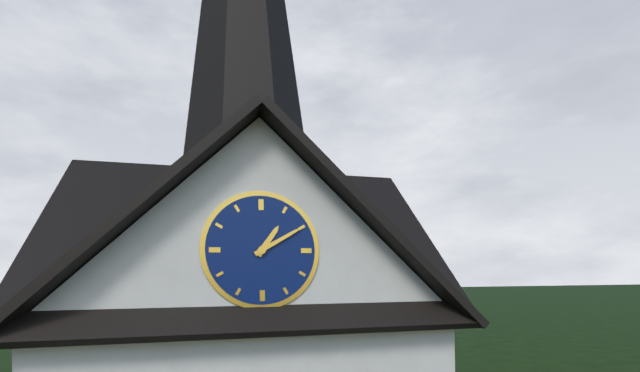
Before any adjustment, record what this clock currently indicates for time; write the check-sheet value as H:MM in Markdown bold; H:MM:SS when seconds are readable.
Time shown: **1:10**
